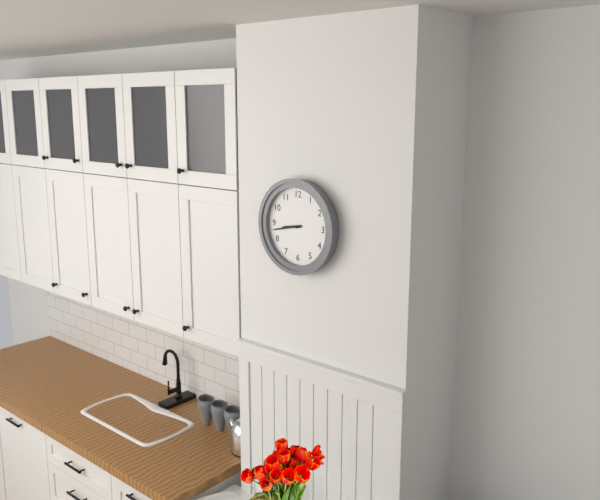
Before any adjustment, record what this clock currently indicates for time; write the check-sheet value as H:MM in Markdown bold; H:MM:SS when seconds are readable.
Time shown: **8:43**
